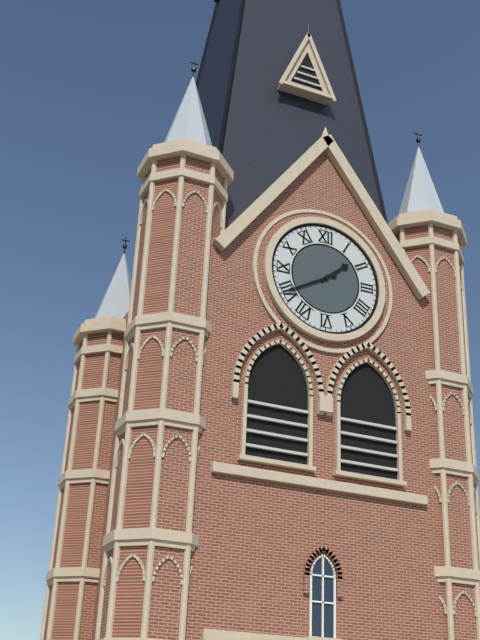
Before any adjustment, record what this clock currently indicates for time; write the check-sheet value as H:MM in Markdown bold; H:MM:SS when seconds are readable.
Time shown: **1:40**
